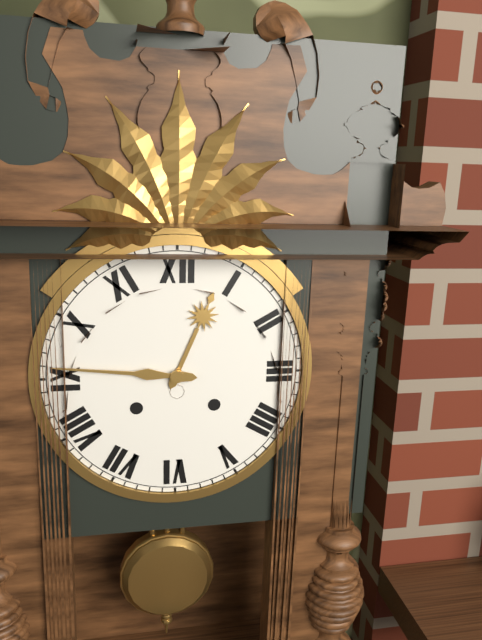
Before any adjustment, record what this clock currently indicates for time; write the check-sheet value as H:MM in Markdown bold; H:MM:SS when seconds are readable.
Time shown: **12:46**
